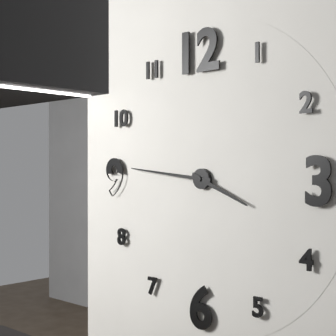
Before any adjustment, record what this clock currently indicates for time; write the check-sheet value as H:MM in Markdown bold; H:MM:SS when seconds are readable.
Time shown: **3:46**
